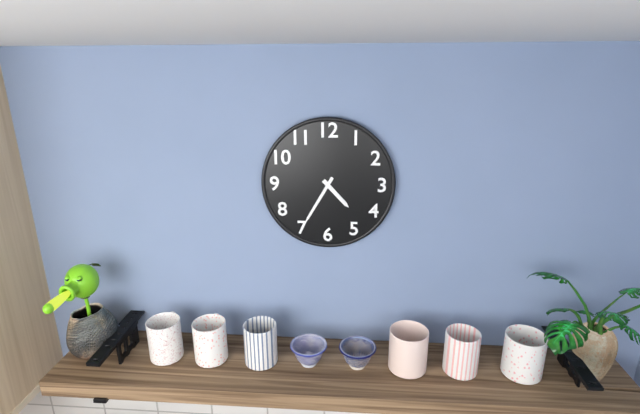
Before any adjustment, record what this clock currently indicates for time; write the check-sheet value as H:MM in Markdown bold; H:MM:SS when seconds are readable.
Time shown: **4:35**
